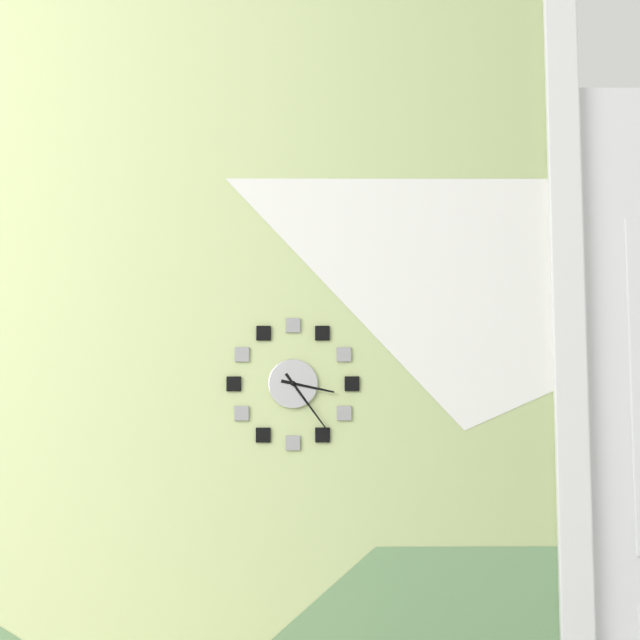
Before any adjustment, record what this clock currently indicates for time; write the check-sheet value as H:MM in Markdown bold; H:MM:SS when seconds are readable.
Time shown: **3:24**
